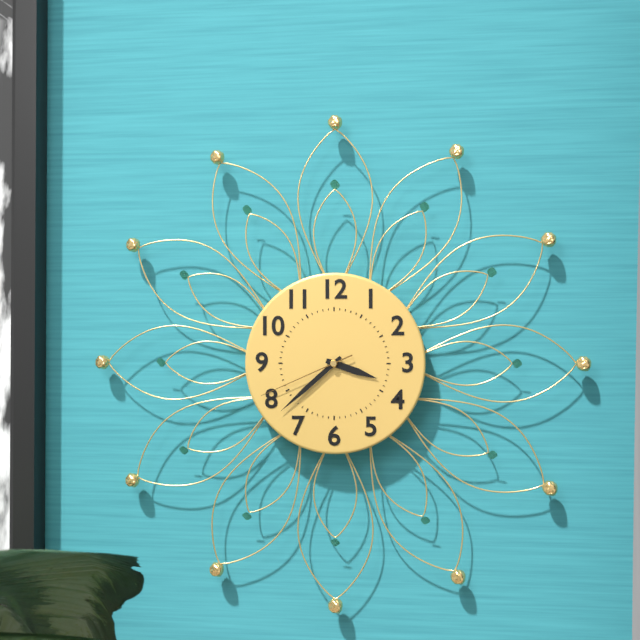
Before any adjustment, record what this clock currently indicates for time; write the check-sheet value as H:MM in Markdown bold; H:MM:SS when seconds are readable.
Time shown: **3:38:41**
